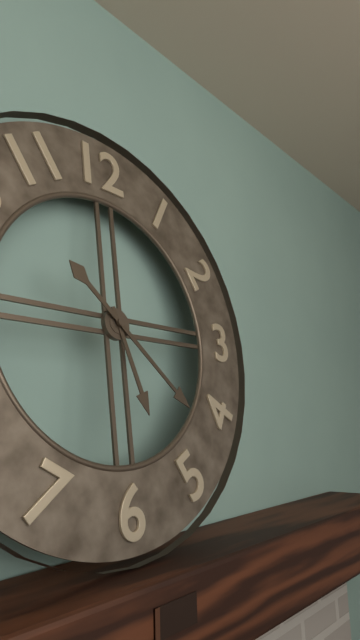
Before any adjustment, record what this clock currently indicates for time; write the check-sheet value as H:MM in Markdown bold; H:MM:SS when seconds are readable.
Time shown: **5:22**
